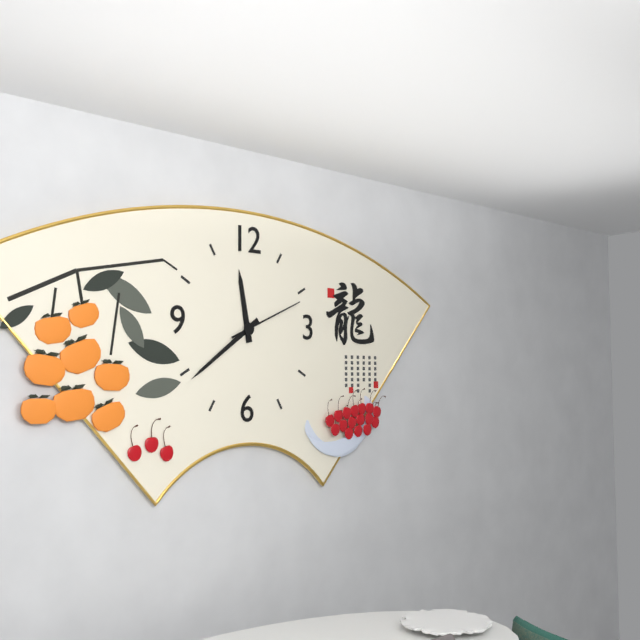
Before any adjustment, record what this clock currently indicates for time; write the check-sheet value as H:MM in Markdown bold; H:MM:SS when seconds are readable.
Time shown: **11:39:11**
